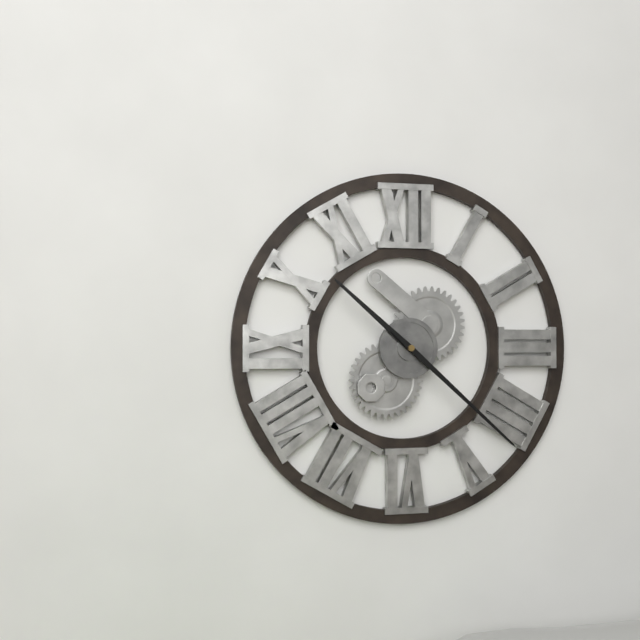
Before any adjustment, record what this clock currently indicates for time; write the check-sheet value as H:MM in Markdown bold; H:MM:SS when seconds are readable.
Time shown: **10:22**
